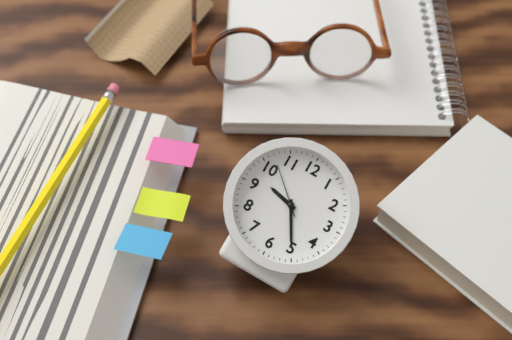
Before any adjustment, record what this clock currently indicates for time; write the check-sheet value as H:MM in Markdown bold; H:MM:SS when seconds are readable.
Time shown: **9:25:52**
